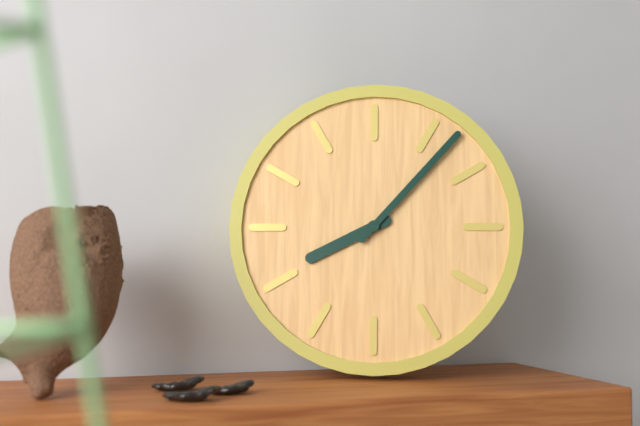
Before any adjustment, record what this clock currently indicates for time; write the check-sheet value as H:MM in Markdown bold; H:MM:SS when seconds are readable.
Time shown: **8:07**
